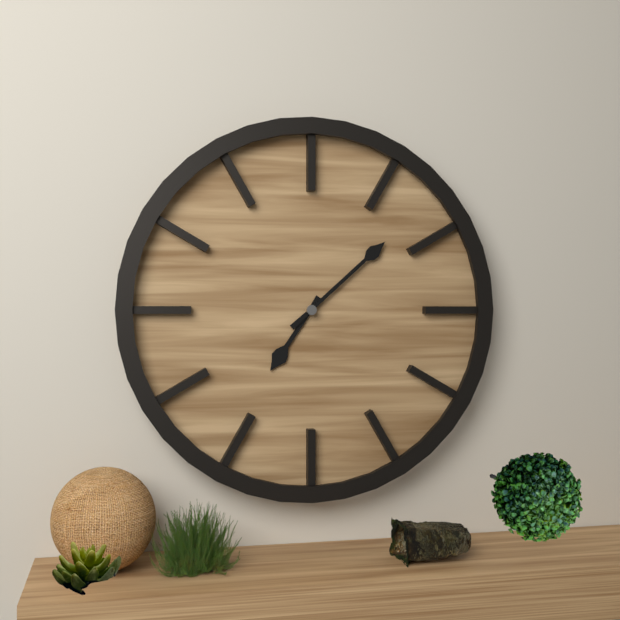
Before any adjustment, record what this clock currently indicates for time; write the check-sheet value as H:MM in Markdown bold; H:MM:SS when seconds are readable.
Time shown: **7:08**
